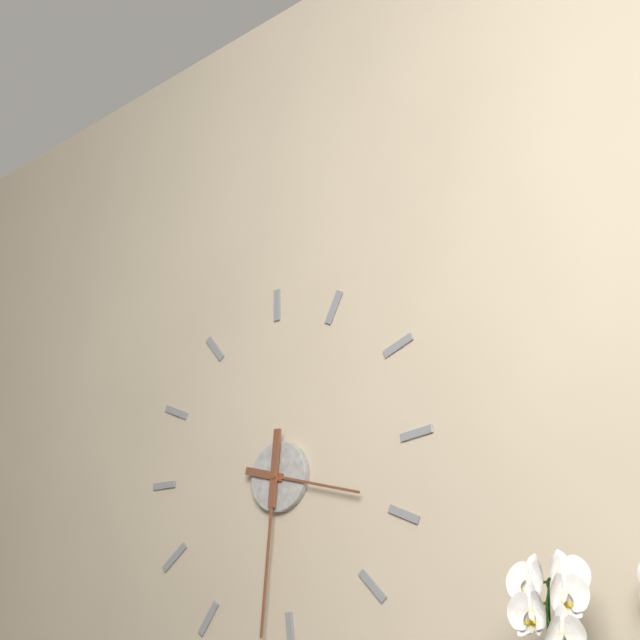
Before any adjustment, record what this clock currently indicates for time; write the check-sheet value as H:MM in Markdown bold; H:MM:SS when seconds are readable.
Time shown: **3:31**
